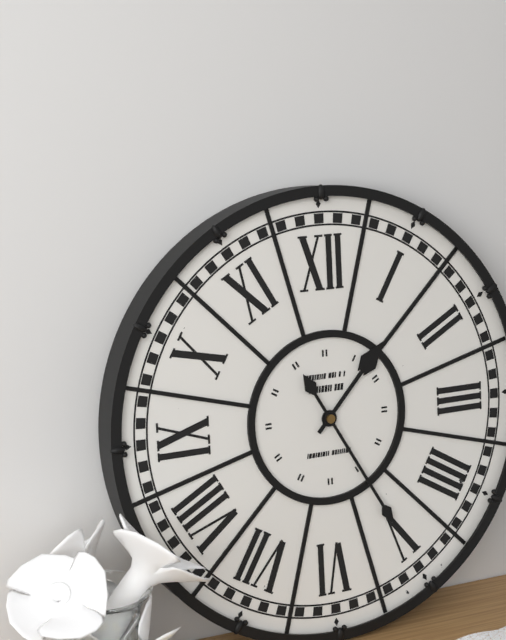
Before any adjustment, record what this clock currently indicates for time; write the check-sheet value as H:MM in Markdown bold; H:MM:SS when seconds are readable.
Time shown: **1:25**
